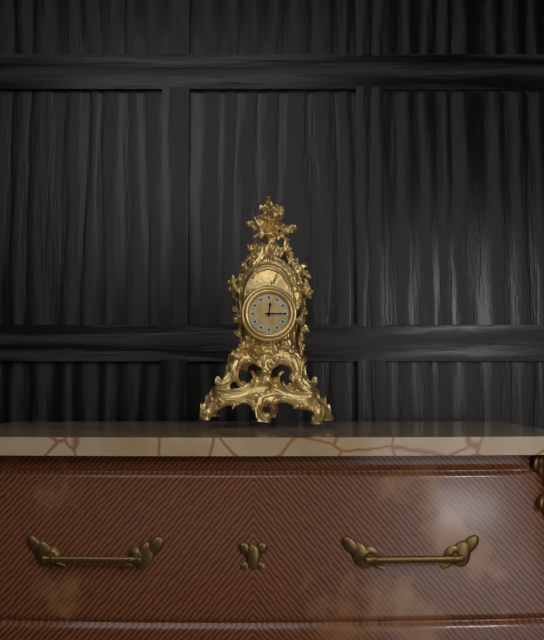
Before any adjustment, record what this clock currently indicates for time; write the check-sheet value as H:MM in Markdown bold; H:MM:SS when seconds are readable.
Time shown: **12:15**
